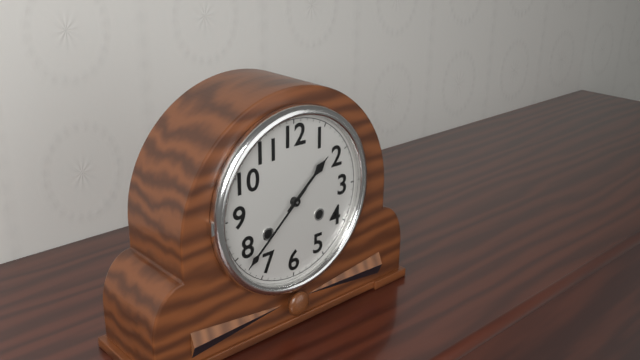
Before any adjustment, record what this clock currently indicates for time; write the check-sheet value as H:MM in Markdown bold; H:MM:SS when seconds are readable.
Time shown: **1:38**
